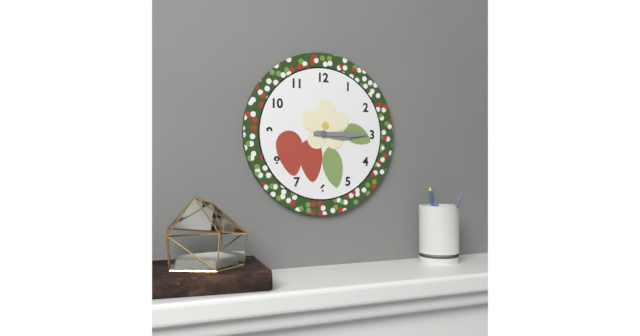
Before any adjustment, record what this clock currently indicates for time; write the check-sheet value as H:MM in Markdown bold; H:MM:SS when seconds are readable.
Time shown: **3:15**
